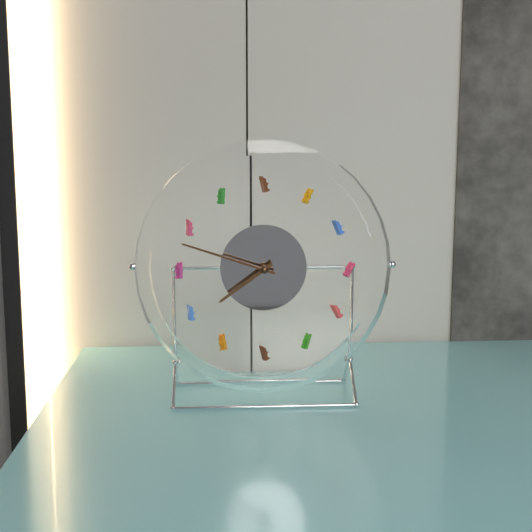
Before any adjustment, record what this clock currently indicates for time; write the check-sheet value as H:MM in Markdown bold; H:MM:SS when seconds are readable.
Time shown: **7:48**
